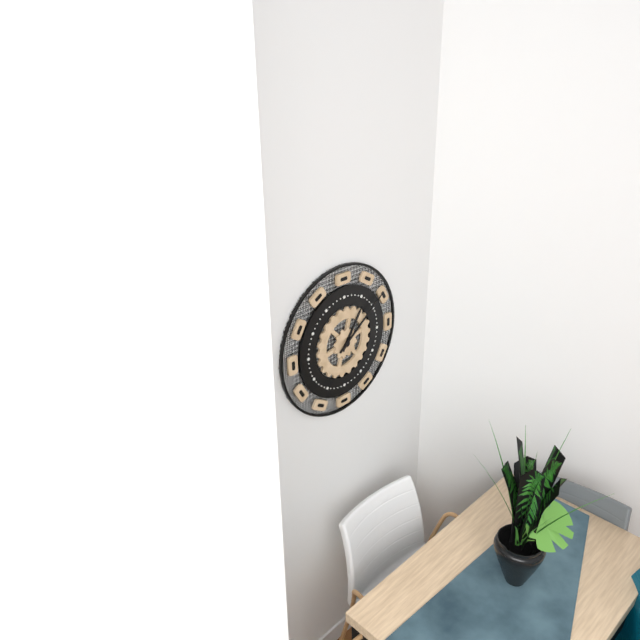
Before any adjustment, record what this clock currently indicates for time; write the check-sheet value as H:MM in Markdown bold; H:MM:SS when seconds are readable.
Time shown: **1:09**
